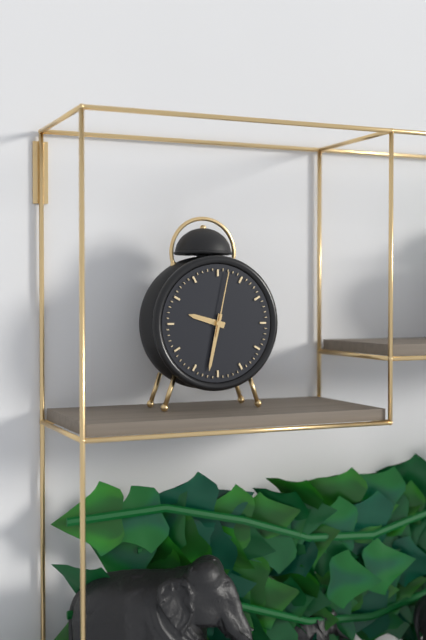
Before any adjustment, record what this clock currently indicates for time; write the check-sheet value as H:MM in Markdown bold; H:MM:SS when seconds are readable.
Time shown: **9:32:02**
